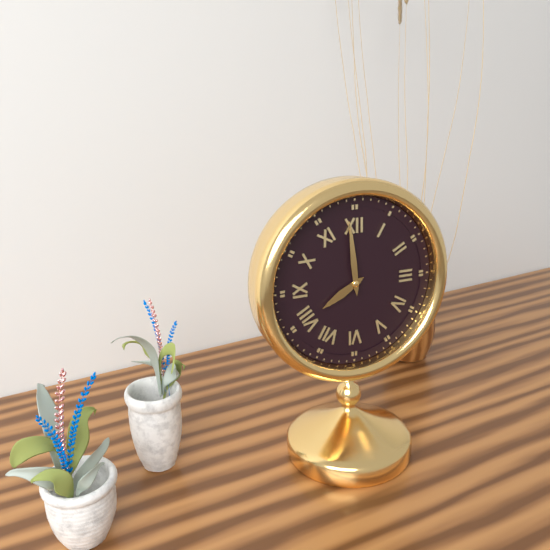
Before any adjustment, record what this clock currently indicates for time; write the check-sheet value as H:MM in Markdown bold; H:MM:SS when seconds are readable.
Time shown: **7:59**
